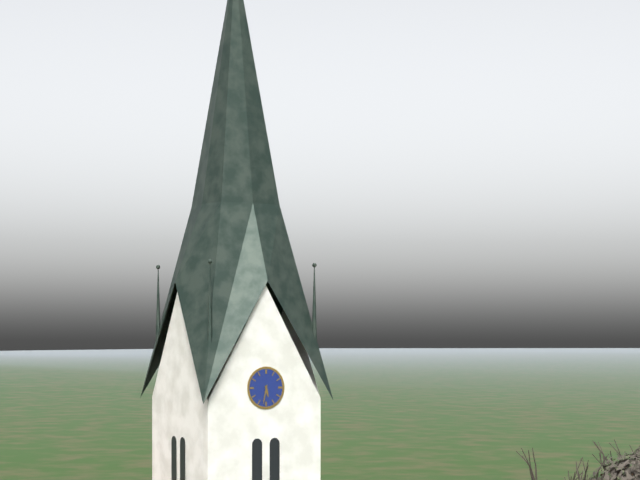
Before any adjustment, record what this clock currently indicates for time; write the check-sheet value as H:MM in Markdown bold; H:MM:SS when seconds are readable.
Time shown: **5:32**
